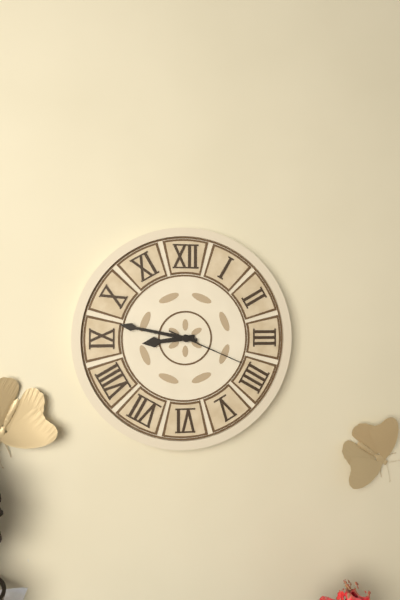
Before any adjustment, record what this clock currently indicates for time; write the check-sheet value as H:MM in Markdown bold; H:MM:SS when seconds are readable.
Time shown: **8:47:19**
